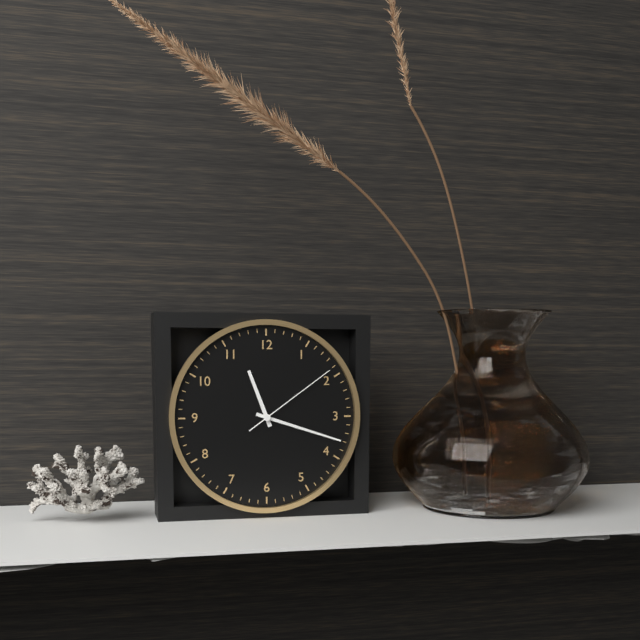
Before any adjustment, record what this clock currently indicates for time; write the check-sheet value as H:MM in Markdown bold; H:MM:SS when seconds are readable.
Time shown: **11:18:09**
